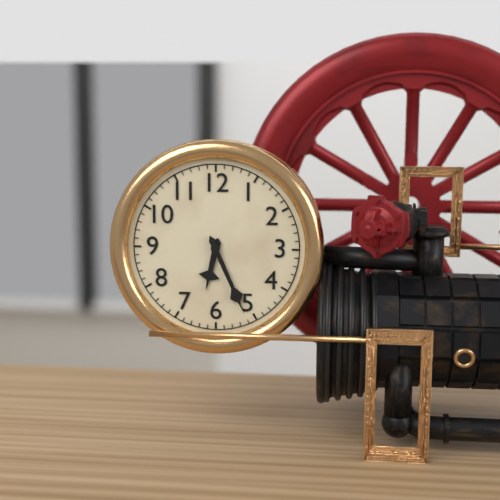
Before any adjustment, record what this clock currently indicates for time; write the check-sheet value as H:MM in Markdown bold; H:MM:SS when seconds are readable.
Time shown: **6:26**
